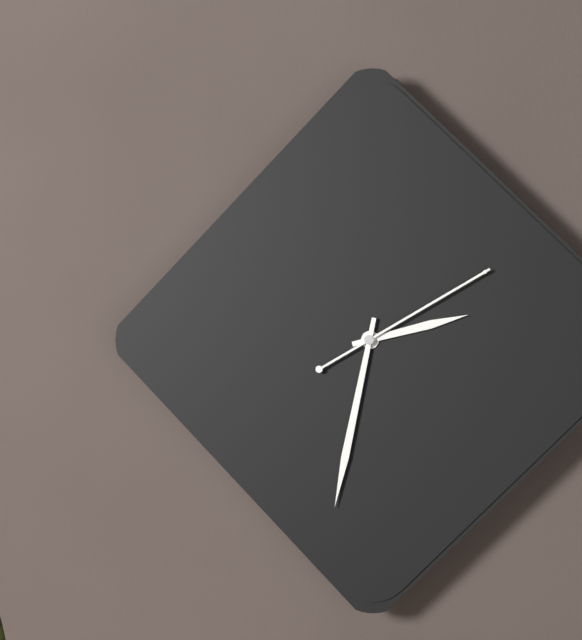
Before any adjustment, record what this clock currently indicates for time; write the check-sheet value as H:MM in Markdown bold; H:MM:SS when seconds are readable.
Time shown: **2:32:10**
